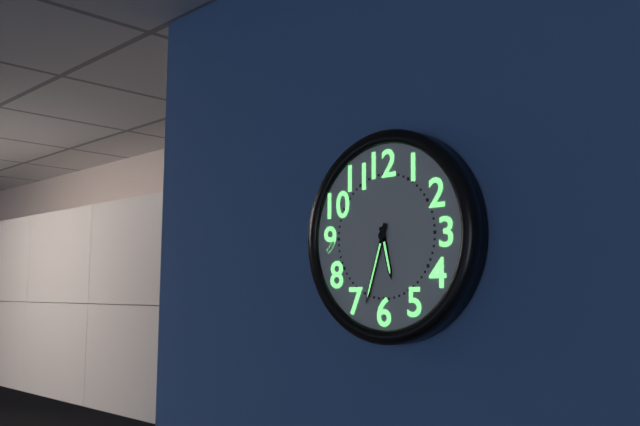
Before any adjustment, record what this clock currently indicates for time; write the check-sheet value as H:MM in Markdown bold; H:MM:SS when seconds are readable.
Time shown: **5:33**
